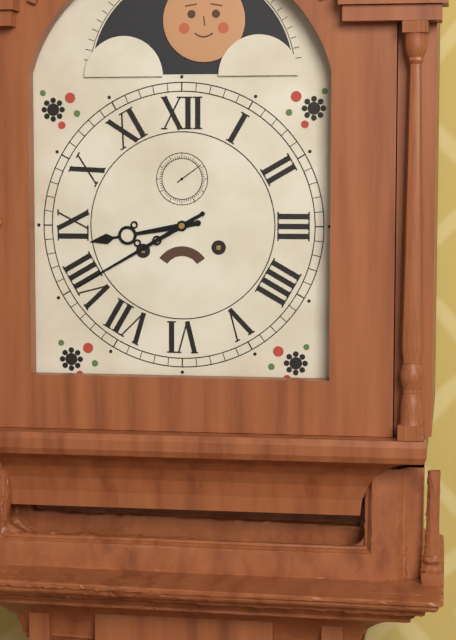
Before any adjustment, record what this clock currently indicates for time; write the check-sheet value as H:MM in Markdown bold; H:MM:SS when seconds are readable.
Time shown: **8:40**
